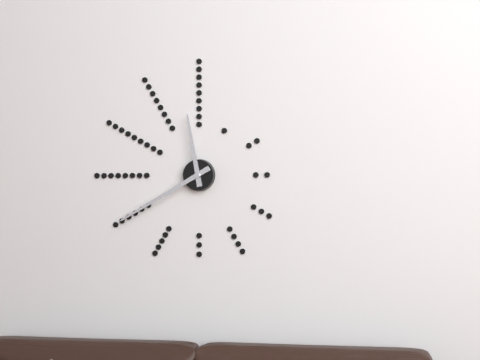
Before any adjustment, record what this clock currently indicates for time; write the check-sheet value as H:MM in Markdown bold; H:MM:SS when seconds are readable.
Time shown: **11:40**
